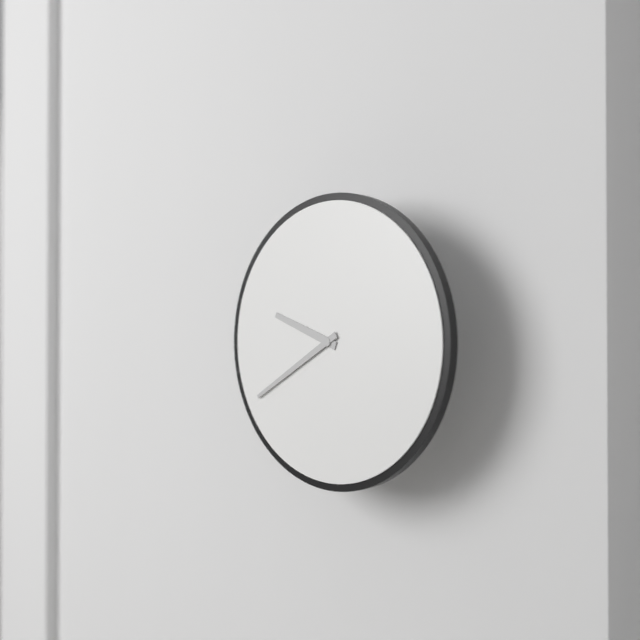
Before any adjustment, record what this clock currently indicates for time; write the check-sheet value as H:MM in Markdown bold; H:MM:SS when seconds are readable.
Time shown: **9:40**
